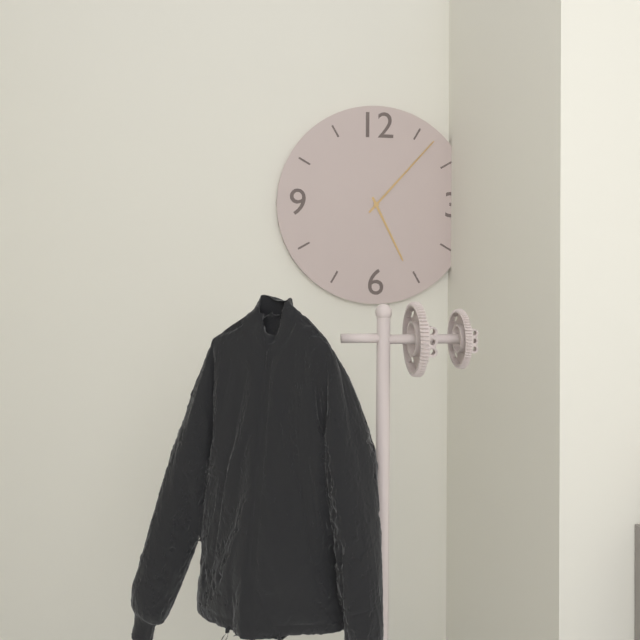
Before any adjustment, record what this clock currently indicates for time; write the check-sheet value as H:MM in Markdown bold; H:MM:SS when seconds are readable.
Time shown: **5:07**
